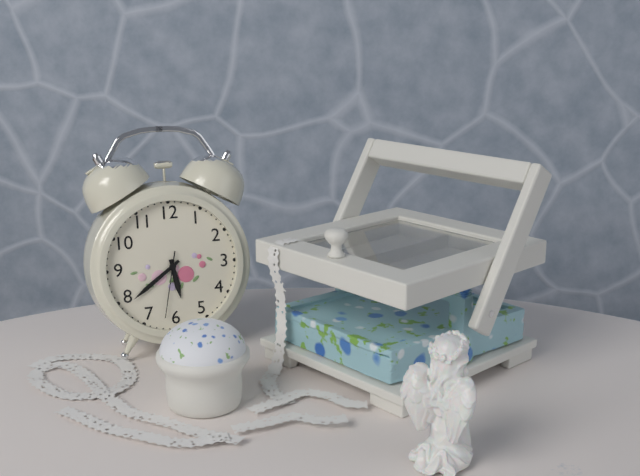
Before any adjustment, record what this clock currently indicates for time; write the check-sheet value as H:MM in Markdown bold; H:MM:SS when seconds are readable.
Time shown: **5:39:32**
